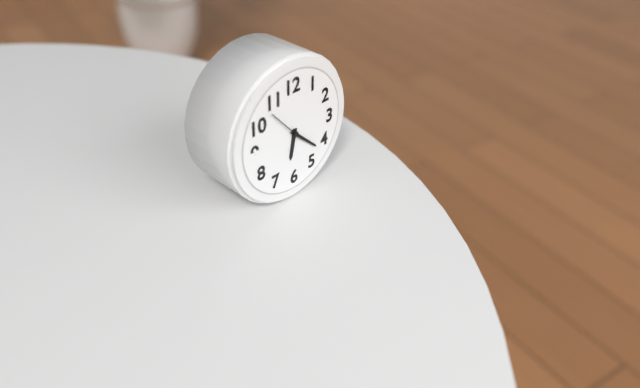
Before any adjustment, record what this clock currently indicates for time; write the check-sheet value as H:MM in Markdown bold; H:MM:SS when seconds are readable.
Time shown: **6:22**
